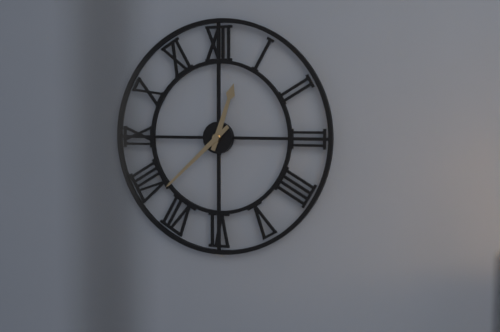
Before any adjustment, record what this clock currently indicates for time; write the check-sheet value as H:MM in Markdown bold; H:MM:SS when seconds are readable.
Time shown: **12:38**
